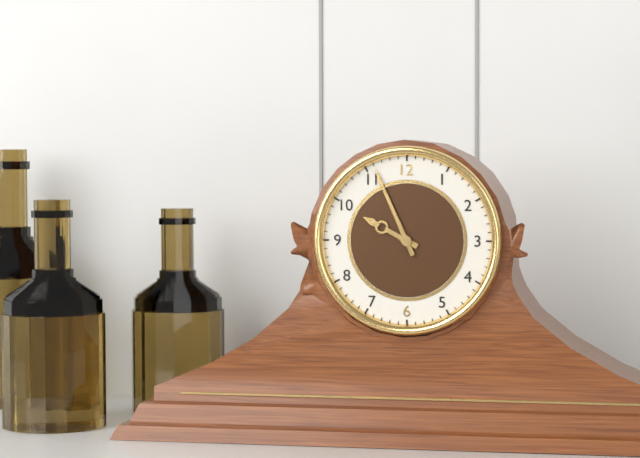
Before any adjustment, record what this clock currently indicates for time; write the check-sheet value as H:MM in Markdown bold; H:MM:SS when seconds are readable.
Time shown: **9:56**
